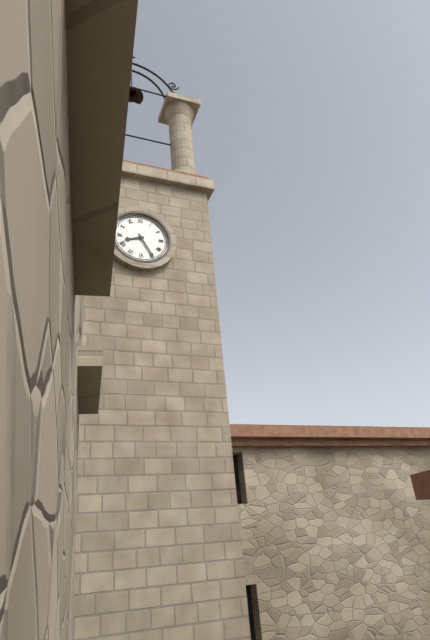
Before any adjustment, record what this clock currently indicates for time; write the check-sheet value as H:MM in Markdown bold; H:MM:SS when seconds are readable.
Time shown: **8:25**
